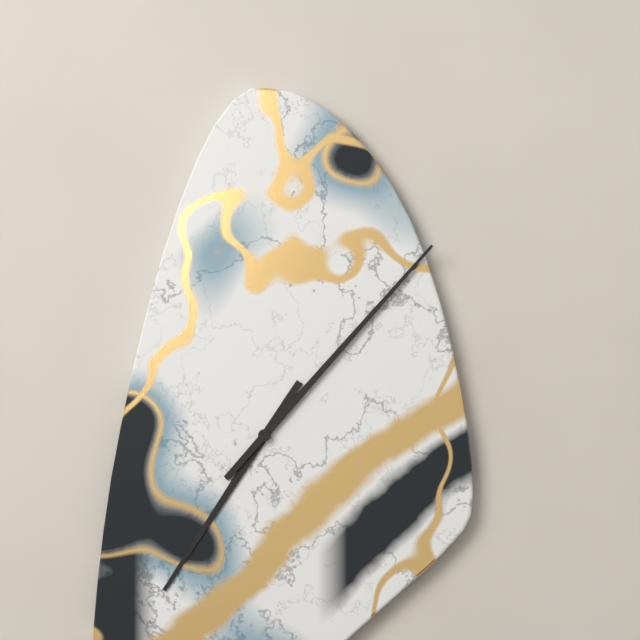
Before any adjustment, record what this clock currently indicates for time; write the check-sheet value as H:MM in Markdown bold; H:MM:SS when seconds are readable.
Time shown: **7:07**
